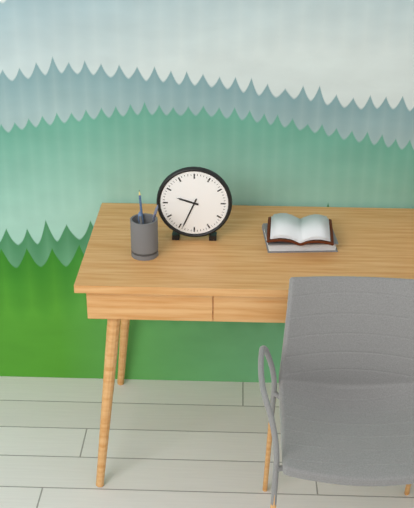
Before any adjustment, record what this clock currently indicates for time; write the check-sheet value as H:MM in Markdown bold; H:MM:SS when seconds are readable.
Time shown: **9:34**
